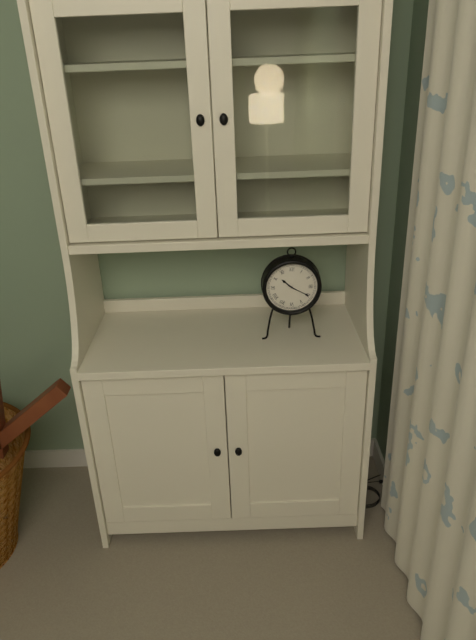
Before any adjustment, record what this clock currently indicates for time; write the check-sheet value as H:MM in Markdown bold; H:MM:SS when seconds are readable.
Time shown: **10:20**
